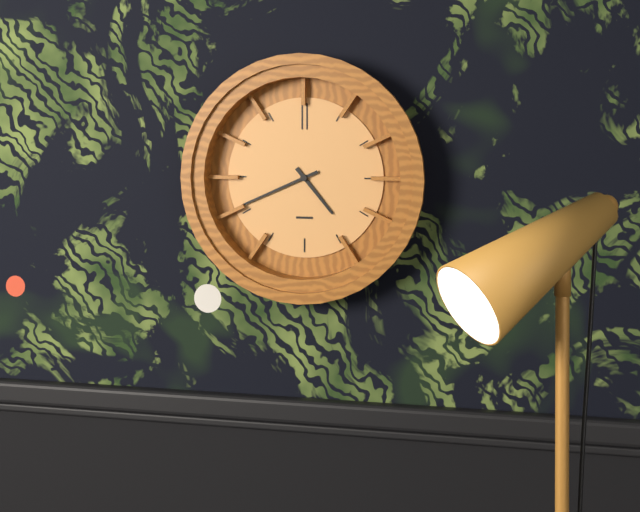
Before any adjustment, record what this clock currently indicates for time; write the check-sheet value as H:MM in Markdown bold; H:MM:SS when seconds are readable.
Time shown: **4:41**
